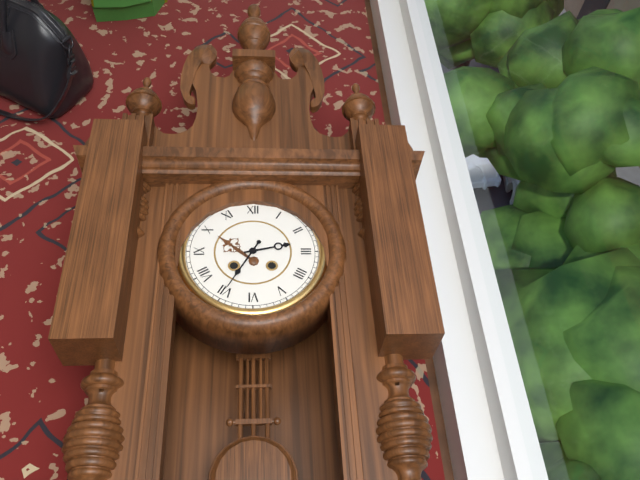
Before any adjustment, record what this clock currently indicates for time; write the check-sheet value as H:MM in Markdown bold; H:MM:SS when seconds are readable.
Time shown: **2:35**
